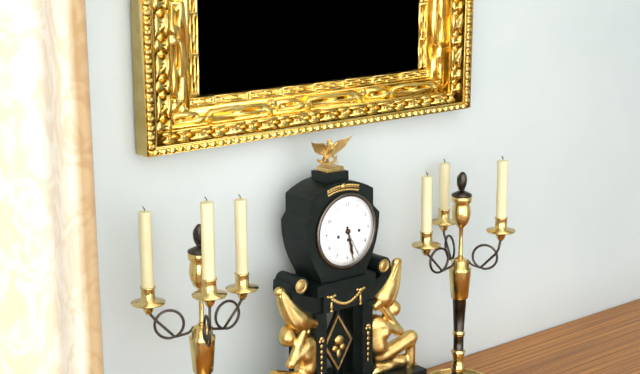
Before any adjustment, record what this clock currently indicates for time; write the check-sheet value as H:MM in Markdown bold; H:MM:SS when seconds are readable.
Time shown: **5:28**
